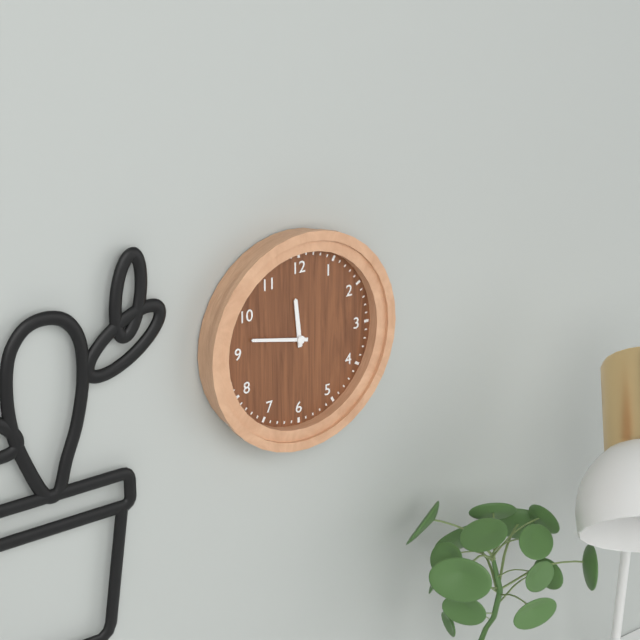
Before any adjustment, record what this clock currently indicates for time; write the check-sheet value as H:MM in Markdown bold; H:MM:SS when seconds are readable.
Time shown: **11:47**
